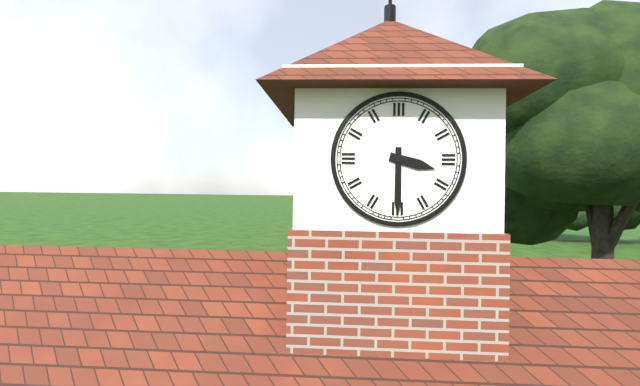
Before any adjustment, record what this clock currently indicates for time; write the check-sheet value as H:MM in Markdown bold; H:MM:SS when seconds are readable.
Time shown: **3:30**
